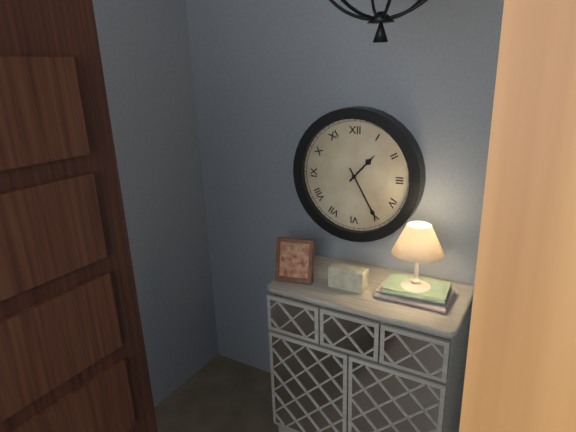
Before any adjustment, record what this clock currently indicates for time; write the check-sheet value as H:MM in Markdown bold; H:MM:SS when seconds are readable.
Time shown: **1:25**
